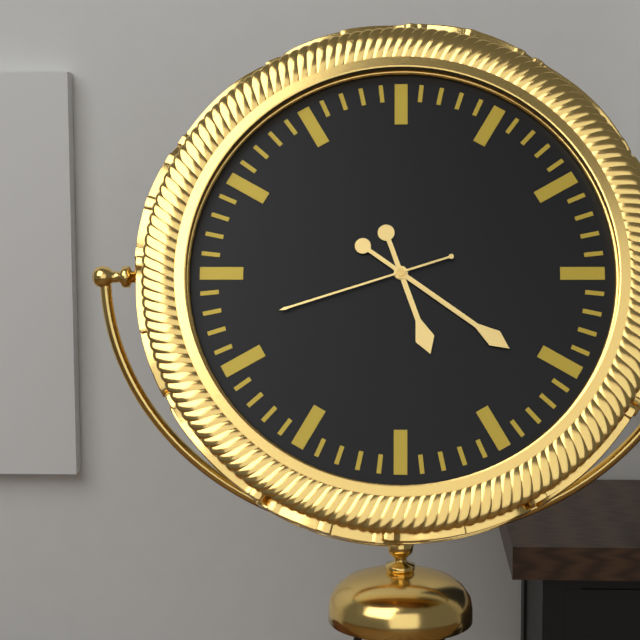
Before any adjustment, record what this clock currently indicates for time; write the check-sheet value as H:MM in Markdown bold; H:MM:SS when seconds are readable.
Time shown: **5:21:42**
